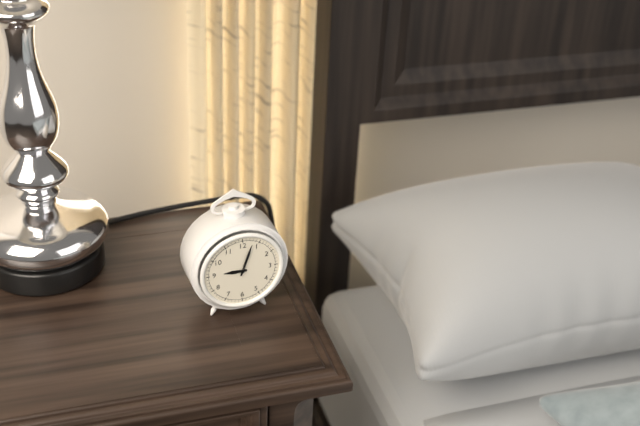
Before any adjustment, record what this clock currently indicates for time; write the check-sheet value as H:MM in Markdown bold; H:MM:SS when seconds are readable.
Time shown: **9:03**
